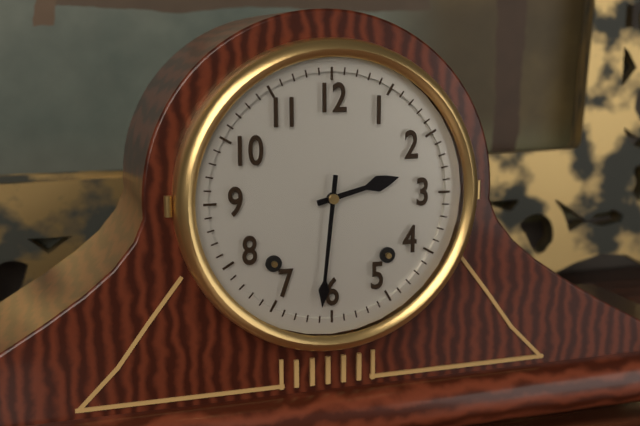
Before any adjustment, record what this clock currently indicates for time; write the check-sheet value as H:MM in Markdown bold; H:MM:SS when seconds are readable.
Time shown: **2:31**
